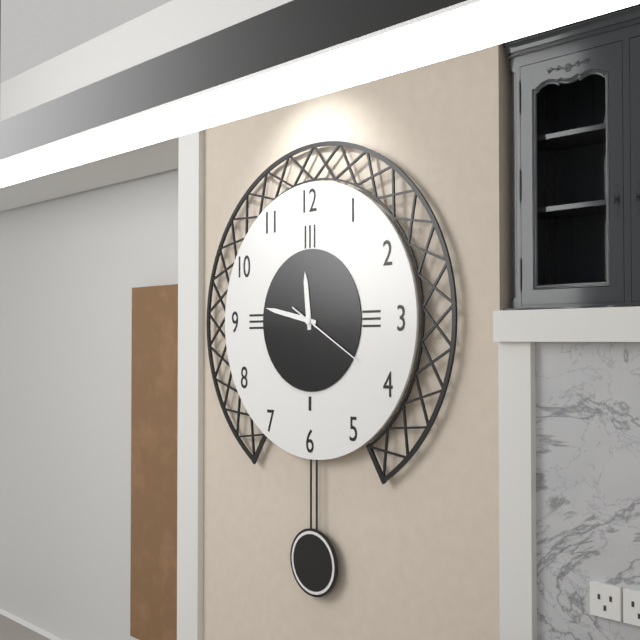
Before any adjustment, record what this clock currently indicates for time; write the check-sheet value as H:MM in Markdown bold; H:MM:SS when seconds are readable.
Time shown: **11:47:20**
